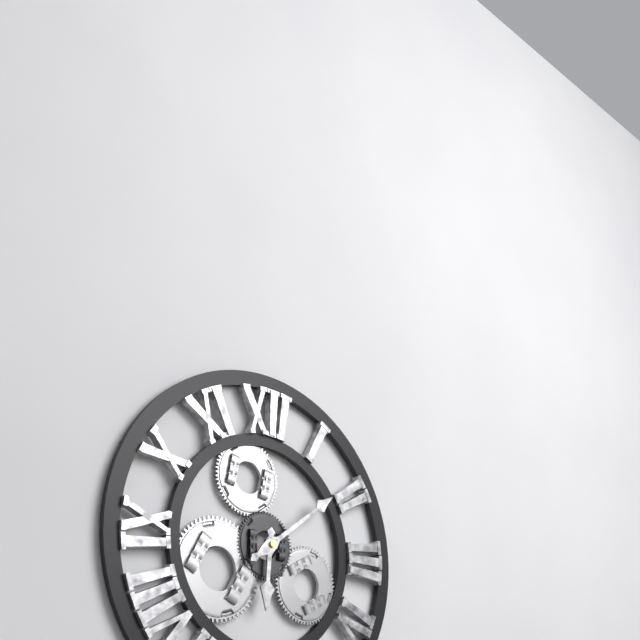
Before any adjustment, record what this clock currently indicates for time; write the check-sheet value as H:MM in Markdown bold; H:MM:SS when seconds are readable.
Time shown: **6:09**
